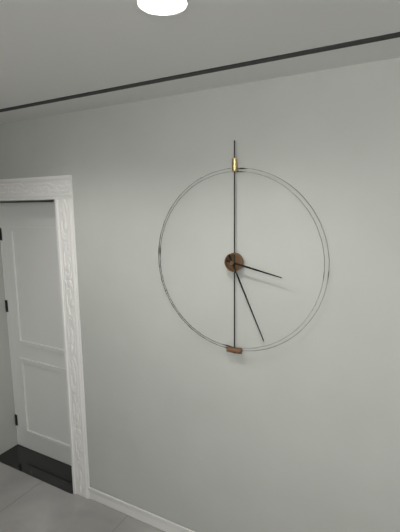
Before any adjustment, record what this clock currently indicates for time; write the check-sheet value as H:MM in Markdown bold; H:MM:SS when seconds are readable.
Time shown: **3:26**
